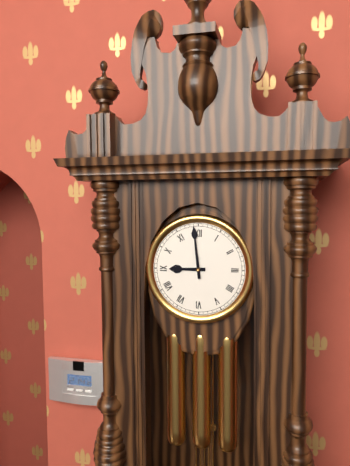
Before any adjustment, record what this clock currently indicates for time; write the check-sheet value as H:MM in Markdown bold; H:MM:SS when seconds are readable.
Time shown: **8:59**
